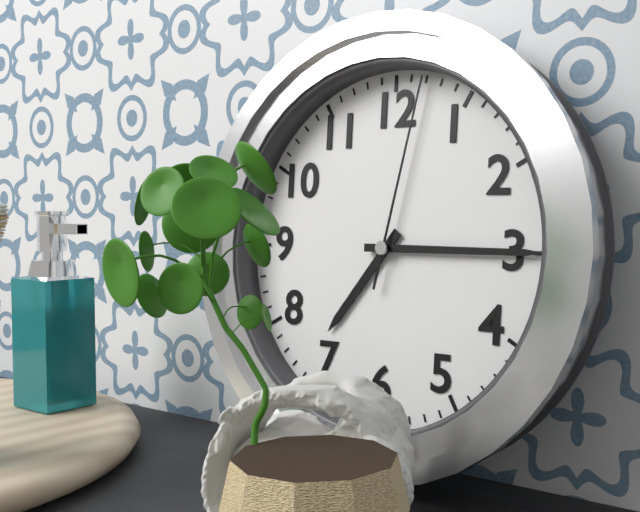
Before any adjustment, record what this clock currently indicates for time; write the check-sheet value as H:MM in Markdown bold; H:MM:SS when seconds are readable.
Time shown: **7:15:02**
